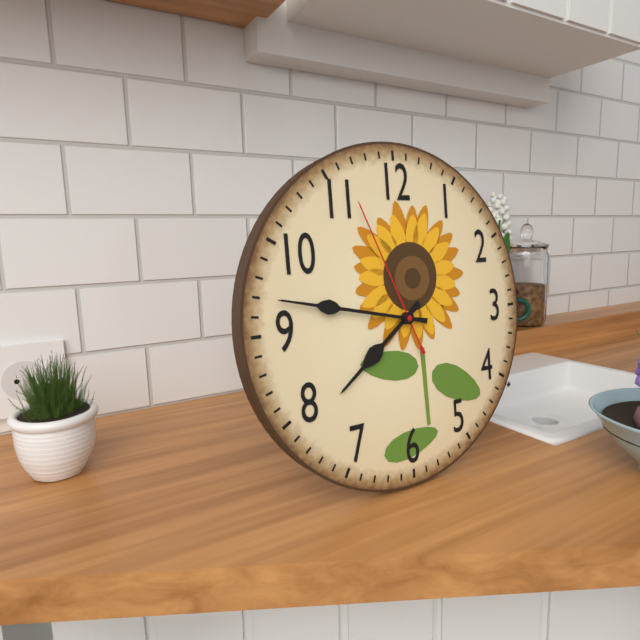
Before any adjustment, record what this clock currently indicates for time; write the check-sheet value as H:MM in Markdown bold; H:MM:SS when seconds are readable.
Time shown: **7:47:56**
